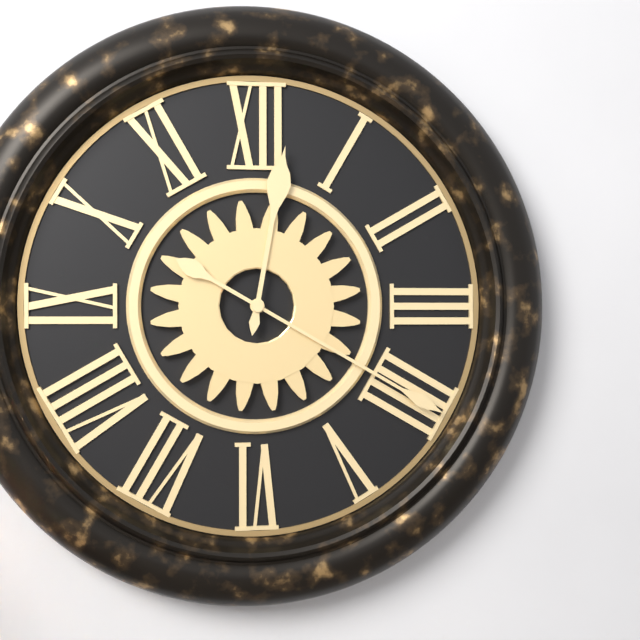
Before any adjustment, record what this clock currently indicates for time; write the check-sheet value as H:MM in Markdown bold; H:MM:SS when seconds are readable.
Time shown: **12:20**
